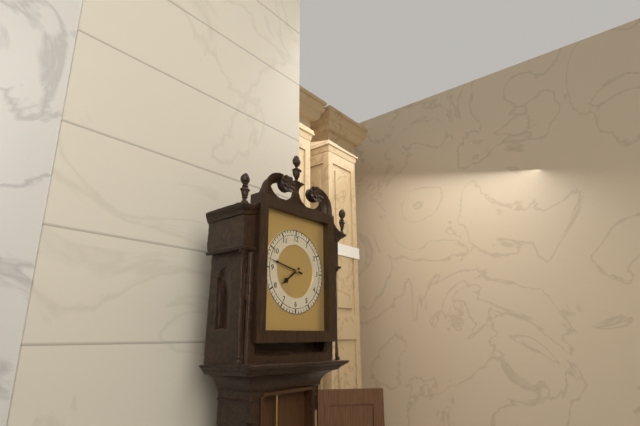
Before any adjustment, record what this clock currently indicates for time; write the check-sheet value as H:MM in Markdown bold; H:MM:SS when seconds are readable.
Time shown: **7:47**
